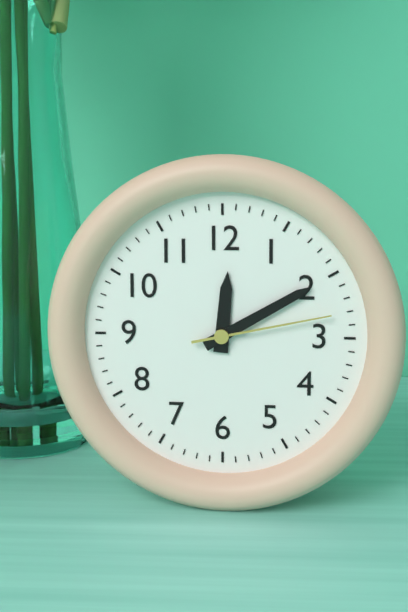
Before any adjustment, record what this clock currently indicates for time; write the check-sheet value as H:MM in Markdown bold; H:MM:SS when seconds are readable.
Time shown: **12:10:13**
